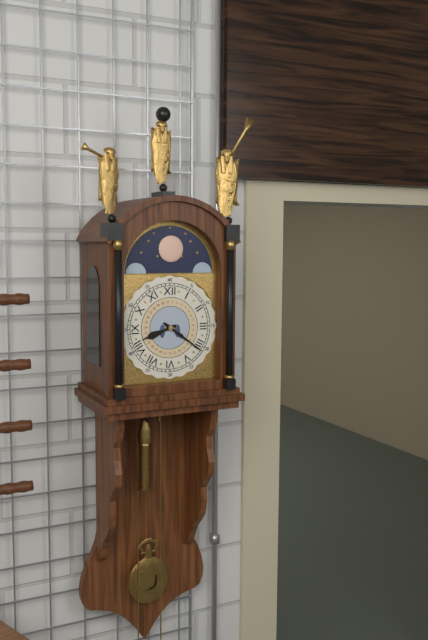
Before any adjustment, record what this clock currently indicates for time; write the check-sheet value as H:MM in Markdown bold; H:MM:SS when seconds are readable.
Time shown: **8:21**
